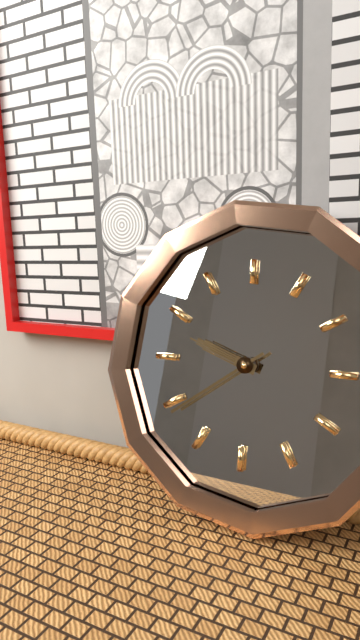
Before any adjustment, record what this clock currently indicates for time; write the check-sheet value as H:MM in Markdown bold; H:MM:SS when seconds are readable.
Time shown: **9:39**
